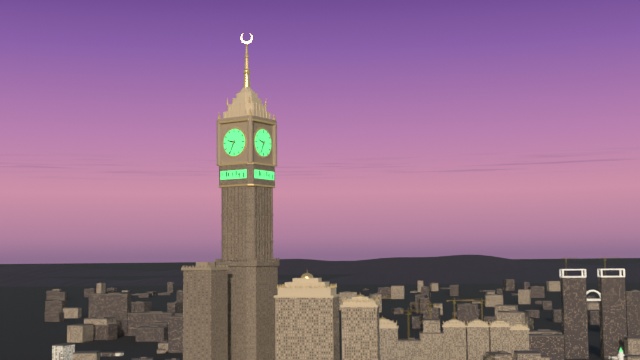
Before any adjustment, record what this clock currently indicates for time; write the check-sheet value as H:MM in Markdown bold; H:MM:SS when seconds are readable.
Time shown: **9:34**
